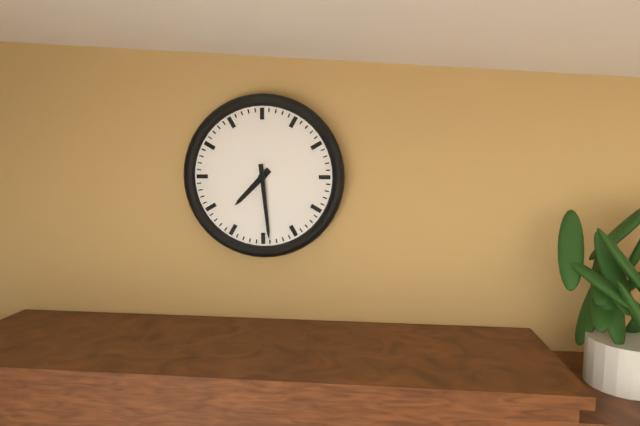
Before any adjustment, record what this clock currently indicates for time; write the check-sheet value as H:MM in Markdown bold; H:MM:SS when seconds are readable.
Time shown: **7:29**
